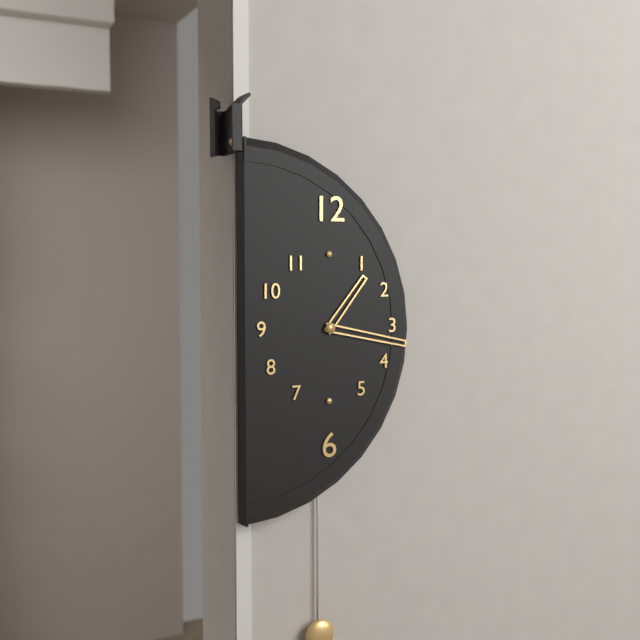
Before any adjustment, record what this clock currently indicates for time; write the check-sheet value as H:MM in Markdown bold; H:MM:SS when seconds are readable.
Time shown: **1:17**
